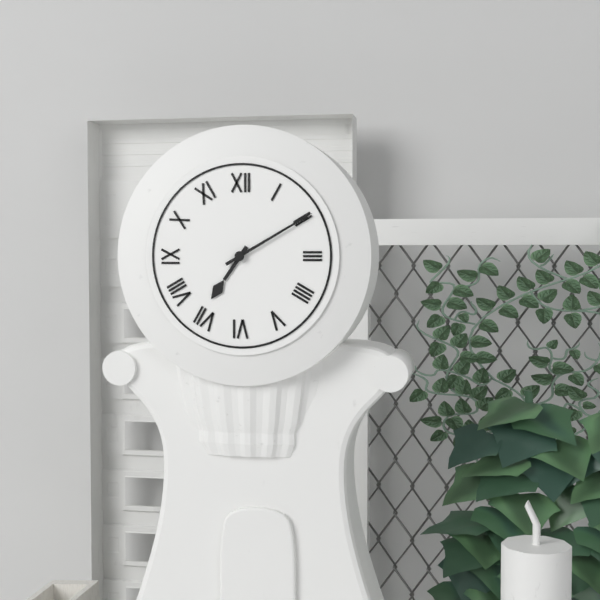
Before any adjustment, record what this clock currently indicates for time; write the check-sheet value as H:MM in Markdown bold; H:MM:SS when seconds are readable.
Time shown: **7:10**
